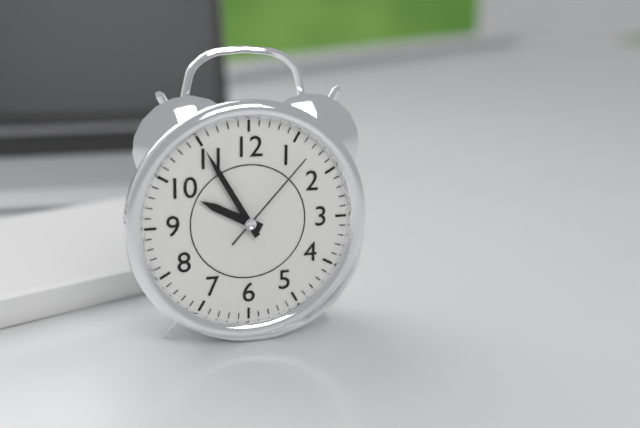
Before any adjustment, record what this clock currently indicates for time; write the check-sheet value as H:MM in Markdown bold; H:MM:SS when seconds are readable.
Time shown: **9:55:07**
